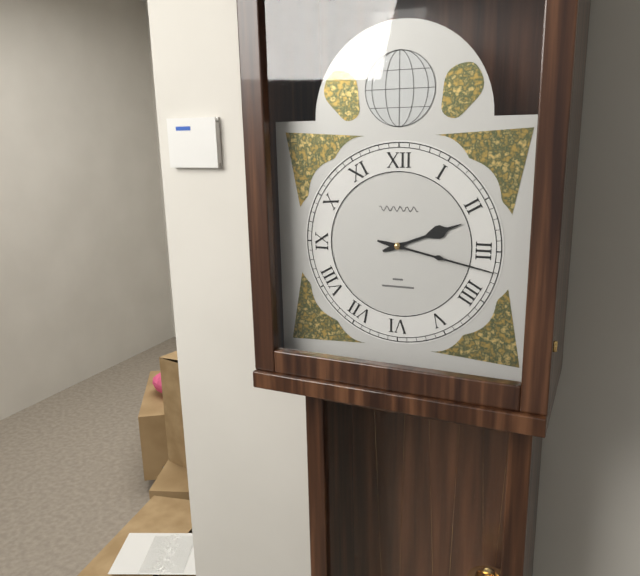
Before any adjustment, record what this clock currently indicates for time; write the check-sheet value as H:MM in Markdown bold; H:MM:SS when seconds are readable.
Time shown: **2:17**
